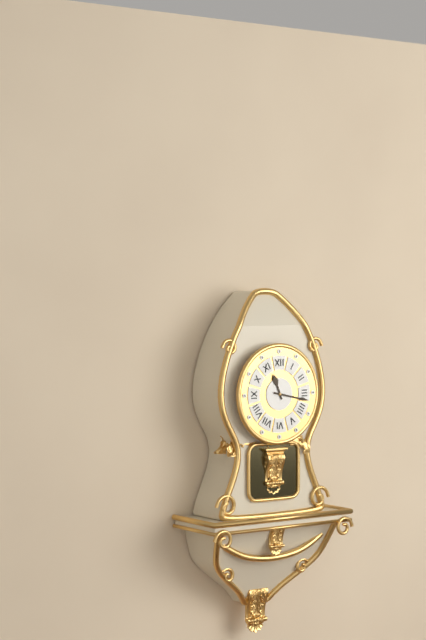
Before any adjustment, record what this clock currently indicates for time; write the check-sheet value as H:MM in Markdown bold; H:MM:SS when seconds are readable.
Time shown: **11:17**
